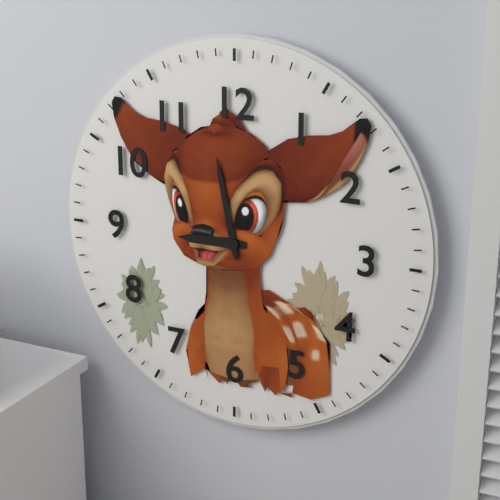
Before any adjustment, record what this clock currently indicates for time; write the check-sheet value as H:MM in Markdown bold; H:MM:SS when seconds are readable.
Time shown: **8:58**
